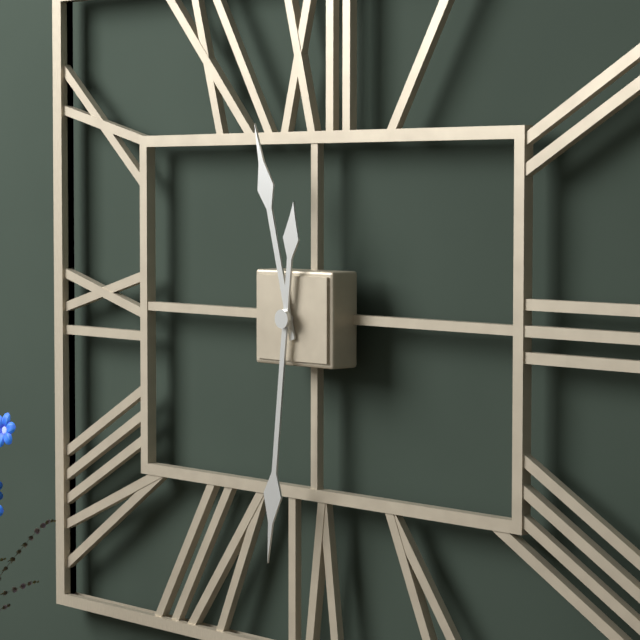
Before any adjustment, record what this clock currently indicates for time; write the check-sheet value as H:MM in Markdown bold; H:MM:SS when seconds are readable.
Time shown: **11:31**
